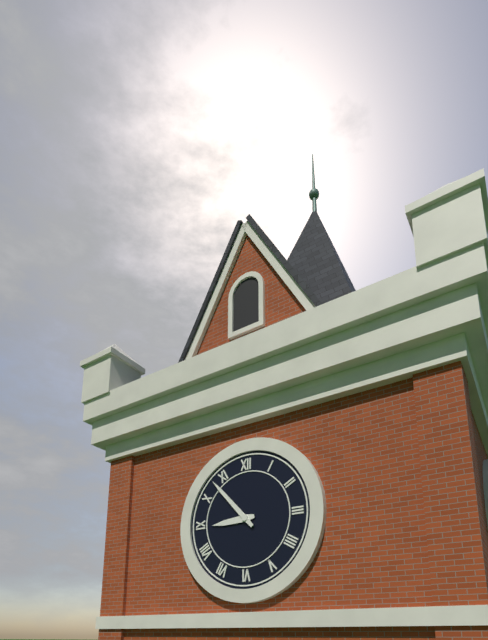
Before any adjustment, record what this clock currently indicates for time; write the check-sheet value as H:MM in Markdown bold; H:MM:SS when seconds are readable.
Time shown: **8:53**
